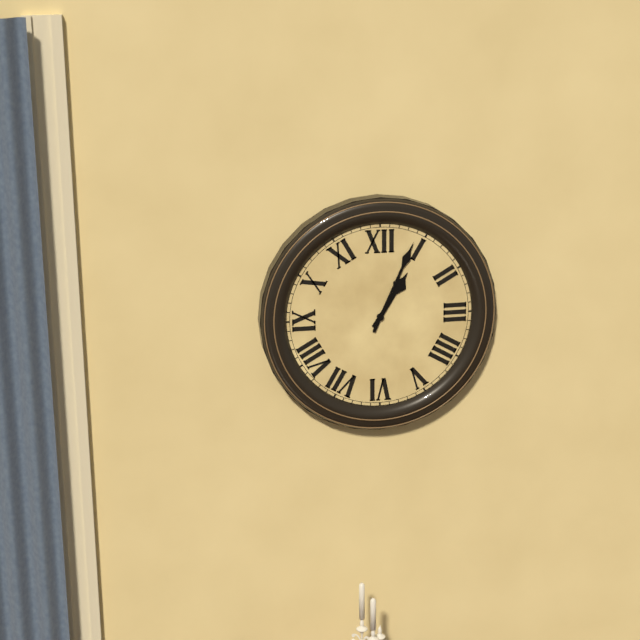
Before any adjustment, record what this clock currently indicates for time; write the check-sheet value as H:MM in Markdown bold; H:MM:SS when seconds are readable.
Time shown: **1:04**
